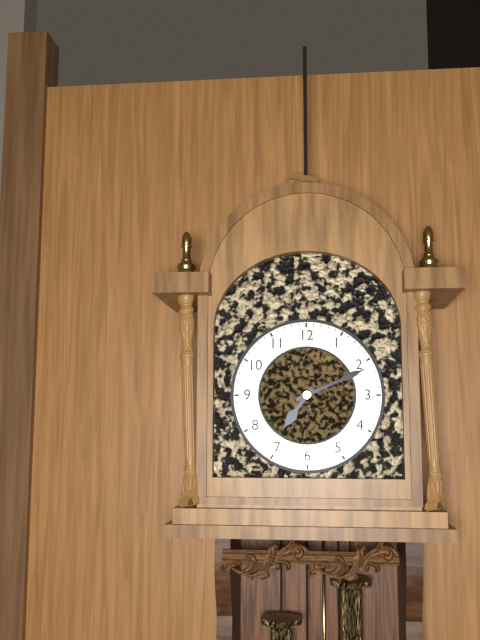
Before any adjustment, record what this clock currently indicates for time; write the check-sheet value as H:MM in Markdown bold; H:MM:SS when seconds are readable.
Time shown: **7:11**
